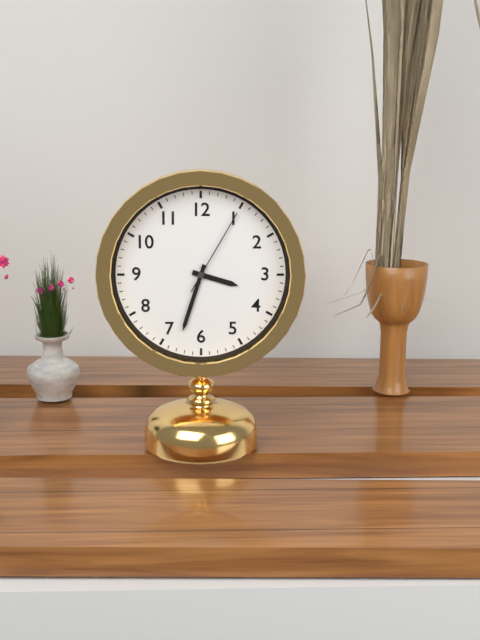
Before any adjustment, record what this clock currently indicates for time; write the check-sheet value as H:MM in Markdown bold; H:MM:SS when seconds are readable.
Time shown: **3:33:05**
